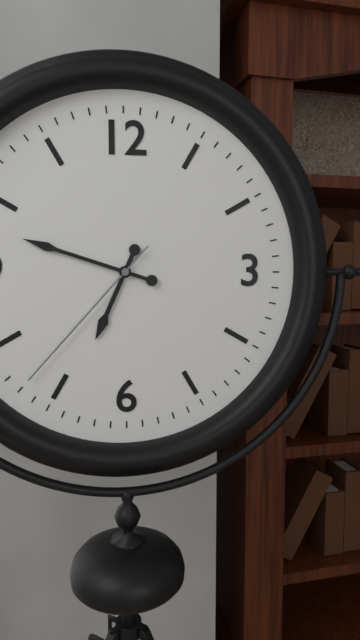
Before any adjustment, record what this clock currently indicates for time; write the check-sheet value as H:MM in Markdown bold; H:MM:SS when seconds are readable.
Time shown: **6:48:37**
